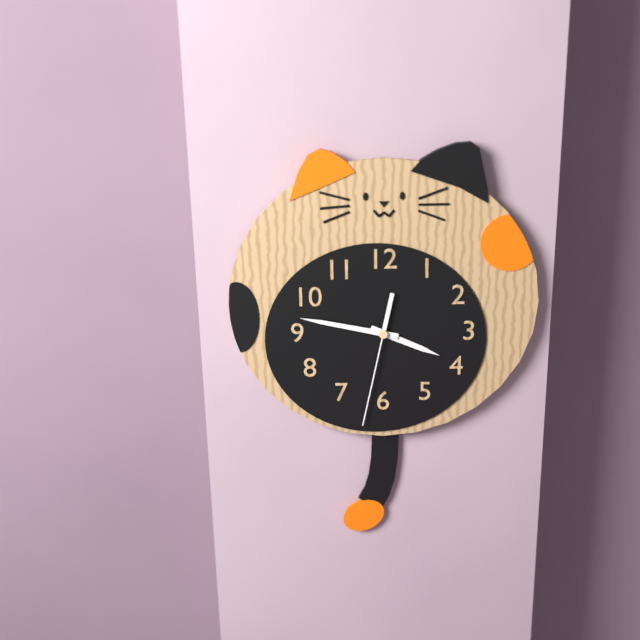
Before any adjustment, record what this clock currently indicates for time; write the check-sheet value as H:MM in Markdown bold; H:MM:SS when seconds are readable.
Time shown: **3:47:32**
